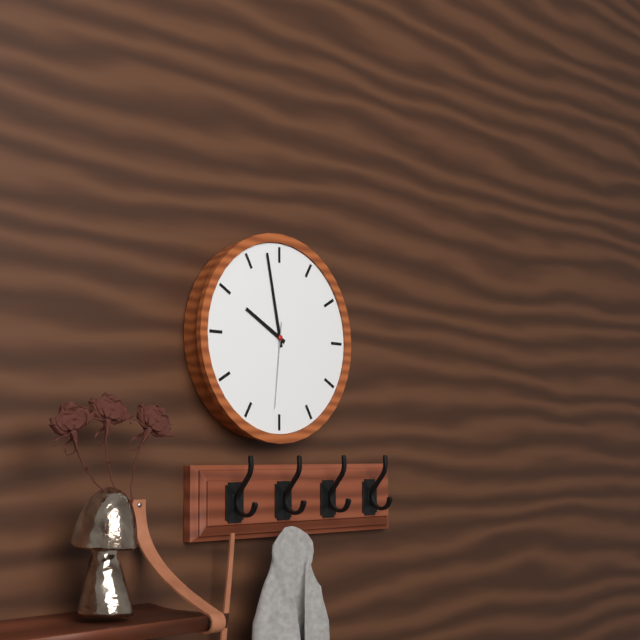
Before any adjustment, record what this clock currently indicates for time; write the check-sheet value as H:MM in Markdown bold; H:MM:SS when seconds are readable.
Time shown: **9:58:31**
